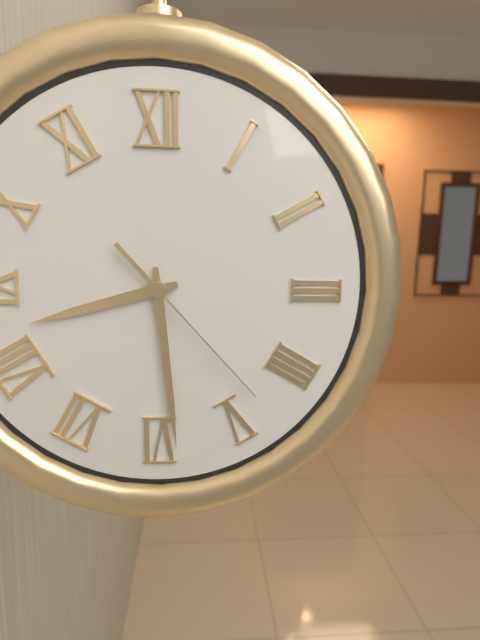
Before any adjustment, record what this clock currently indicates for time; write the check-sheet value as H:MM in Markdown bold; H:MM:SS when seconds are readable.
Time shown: **8:29:23**
